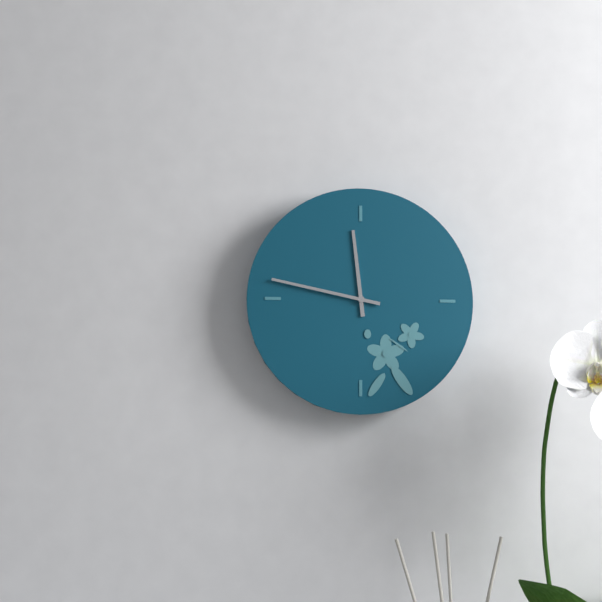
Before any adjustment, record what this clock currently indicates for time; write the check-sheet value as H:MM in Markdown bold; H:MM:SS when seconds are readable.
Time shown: **11:47**
